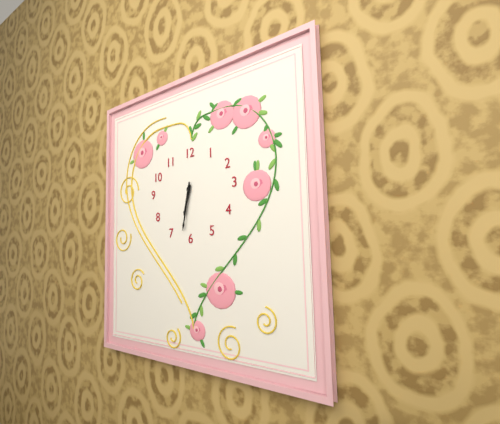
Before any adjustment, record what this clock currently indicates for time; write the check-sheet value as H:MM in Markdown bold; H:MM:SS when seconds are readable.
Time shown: **6:32**
